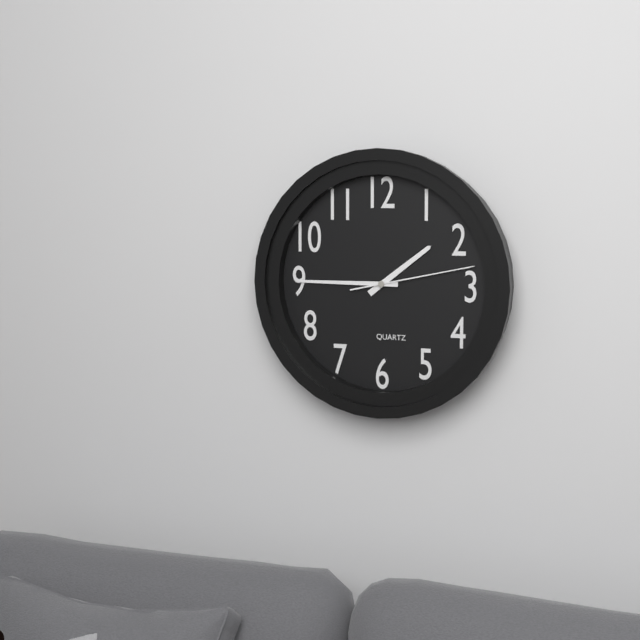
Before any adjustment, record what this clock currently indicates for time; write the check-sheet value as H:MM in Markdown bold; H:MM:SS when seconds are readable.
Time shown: **1:45:13**
